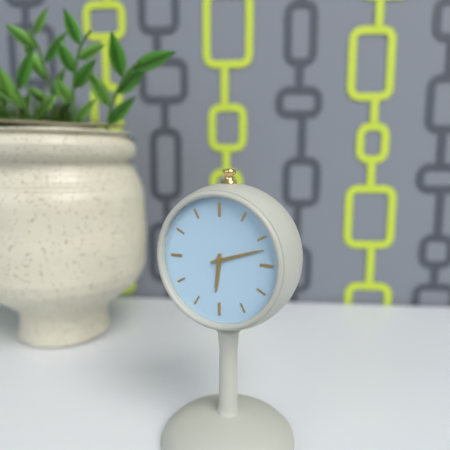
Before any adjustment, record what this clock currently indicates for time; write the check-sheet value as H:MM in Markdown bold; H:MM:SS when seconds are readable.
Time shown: **6:12**
